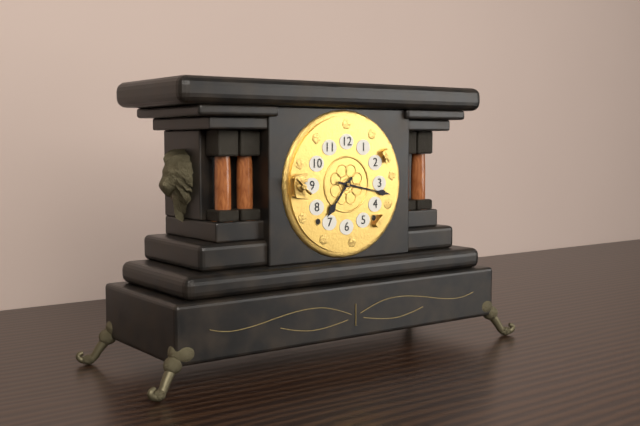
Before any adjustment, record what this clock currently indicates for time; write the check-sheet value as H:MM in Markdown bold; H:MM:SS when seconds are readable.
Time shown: **7:17**
